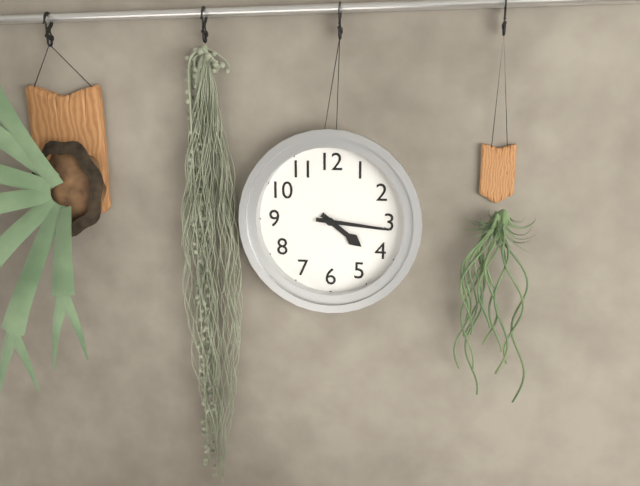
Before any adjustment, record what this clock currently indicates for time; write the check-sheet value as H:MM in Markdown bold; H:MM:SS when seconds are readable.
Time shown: **4:16**
